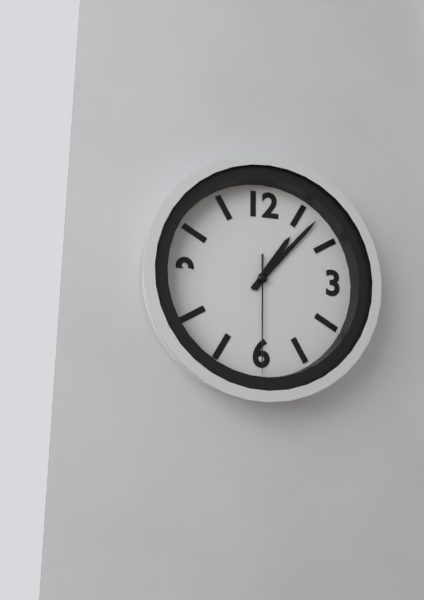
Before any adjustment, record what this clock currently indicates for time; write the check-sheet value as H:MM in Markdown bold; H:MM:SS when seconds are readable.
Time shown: **1:07:30**
